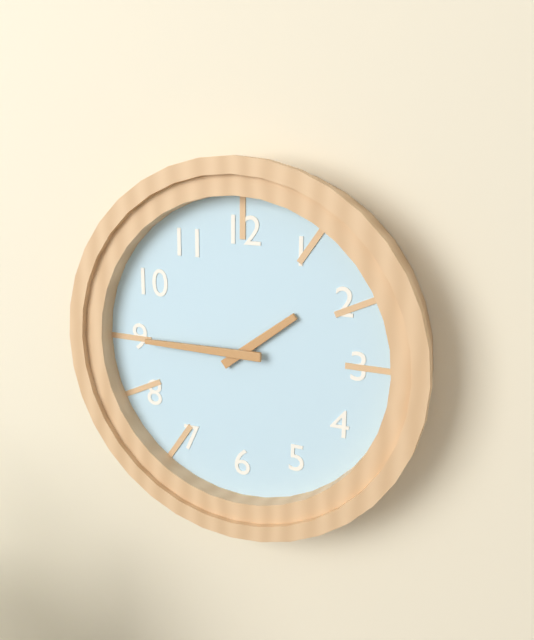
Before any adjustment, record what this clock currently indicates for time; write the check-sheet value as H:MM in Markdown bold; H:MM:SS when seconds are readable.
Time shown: **1:45**
